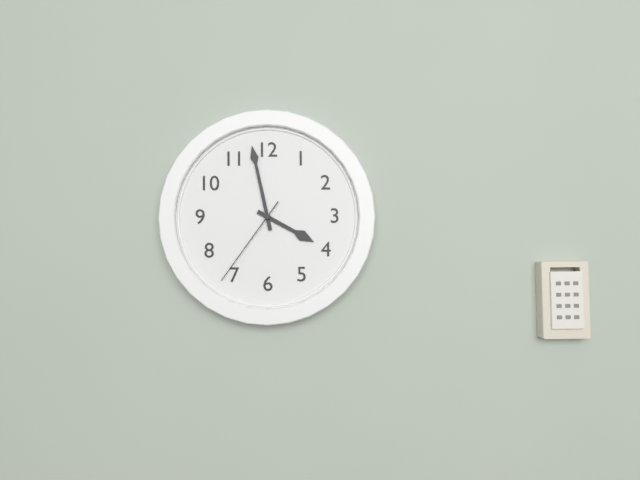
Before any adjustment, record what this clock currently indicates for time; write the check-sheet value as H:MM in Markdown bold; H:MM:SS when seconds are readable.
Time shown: **3:58:36**
